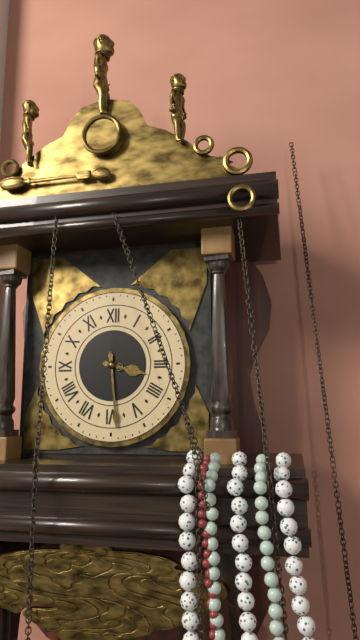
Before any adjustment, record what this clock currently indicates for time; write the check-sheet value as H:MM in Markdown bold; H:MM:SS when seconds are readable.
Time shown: **3:29**
